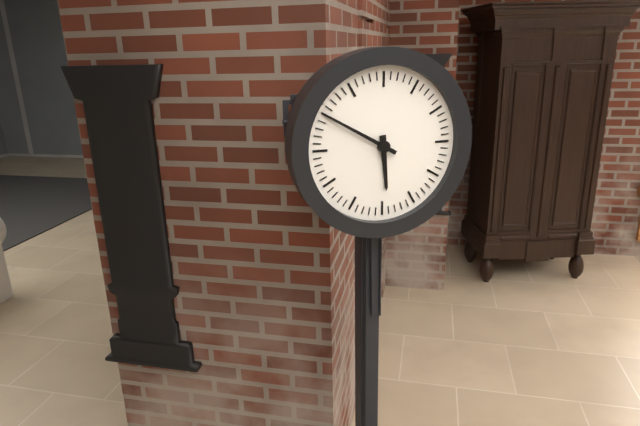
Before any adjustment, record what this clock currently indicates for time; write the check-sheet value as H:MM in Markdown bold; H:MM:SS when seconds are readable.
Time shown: **5:50**
